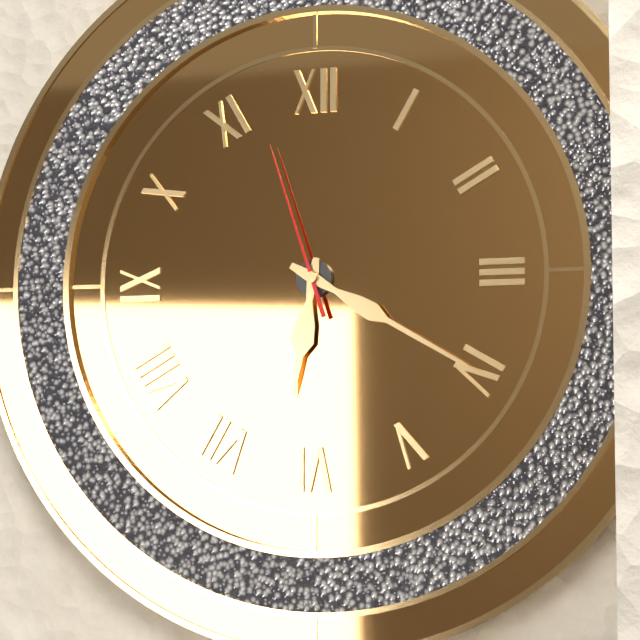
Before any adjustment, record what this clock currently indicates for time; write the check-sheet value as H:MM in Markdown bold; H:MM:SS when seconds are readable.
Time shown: **6:20:57**
